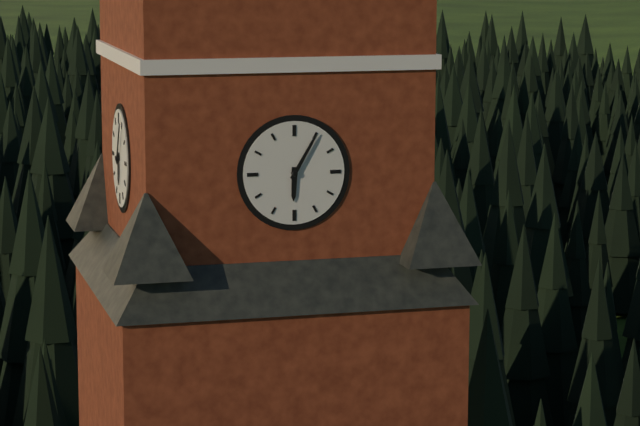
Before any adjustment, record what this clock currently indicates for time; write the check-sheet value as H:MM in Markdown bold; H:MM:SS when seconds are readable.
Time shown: **6:05**
